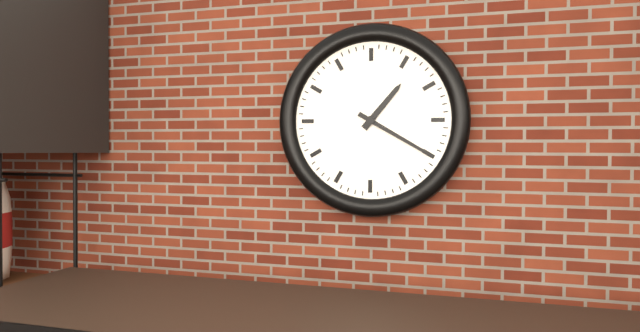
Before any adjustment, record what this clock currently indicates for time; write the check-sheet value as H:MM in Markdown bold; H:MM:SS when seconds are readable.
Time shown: **1:20**
